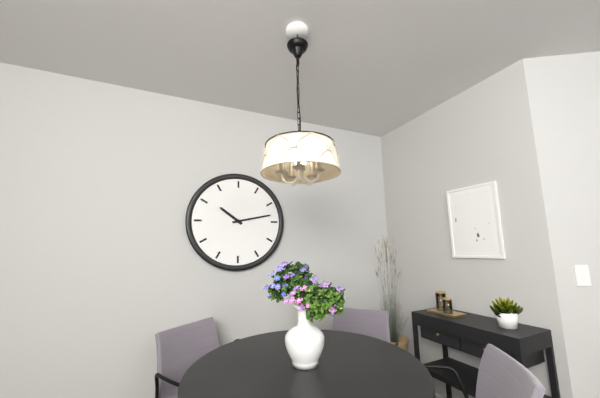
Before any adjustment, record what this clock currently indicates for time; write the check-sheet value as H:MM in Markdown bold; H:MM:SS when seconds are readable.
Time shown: **10:13**
